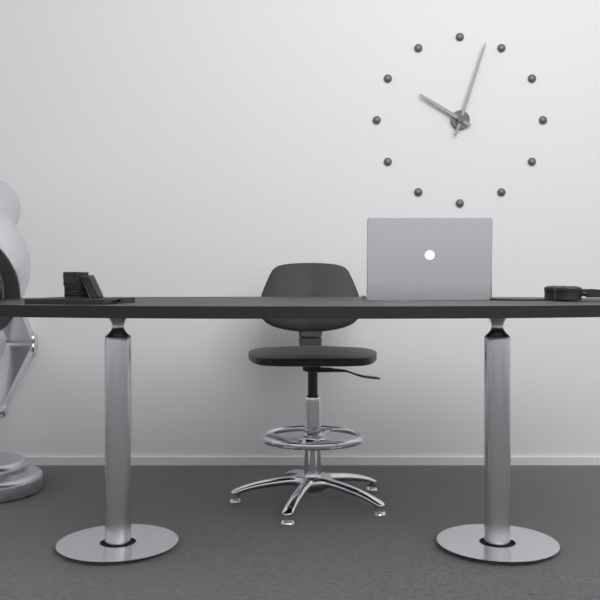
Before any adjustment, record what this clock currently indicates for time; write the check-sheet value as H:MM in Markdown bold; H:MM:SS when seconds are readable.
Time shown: **10:03**
